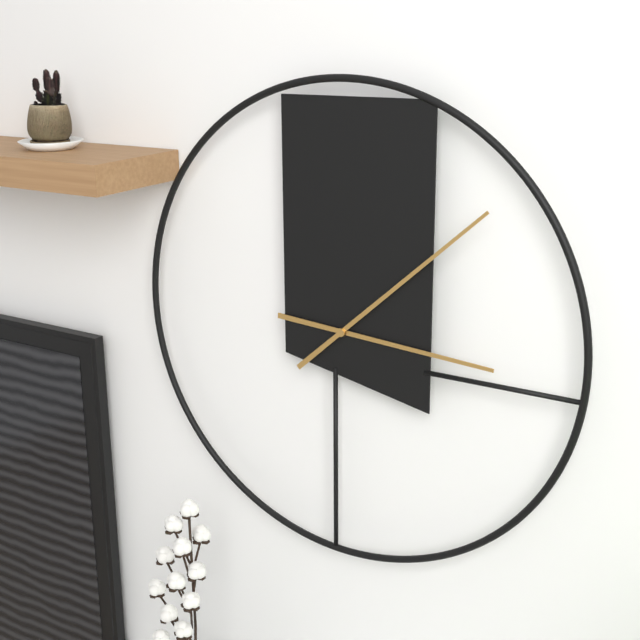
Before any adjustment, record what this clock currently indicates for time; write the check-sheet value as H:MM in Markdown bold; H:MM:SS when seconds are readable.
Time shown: **3:08**
